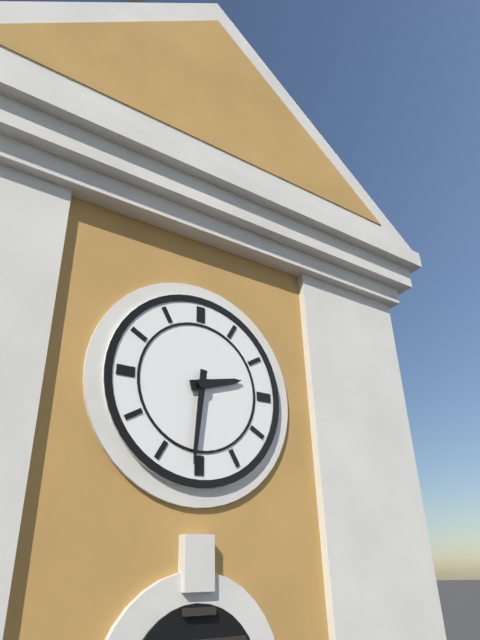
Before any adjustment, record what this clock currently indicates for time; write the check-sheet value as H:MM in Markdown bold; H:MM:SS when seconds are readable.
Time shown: **2:31**
